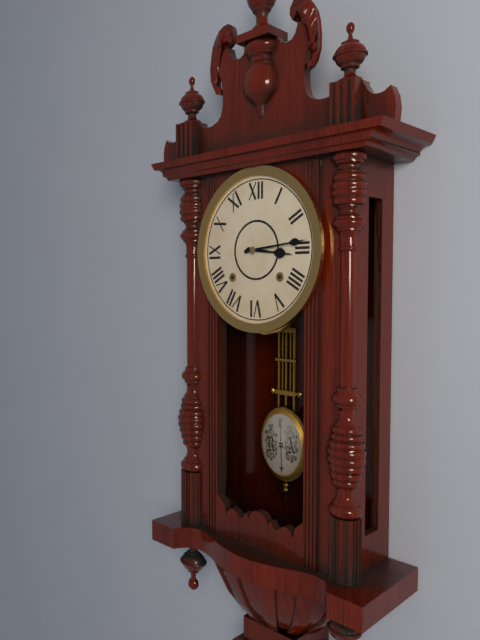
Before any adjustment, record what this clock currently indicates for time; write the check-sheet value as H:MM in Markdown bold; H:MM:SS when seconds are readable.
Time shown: **3:14**
